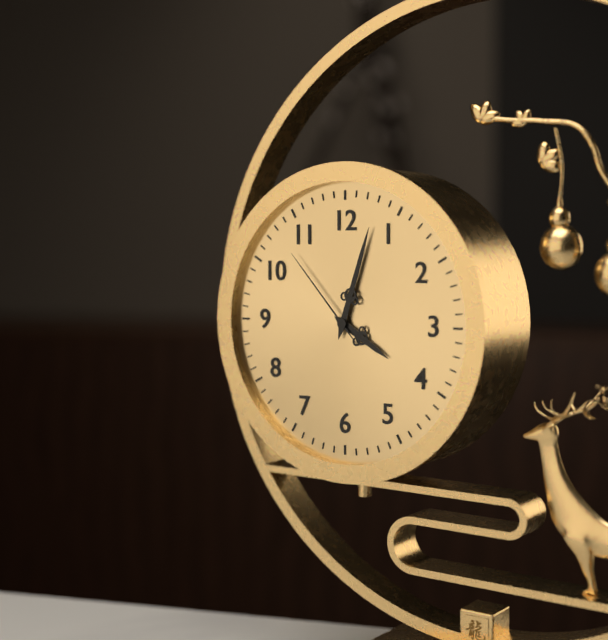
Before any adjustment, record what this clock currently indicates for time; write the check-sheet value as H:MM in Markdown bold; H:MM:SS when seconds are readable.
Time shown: **4:03:53**
